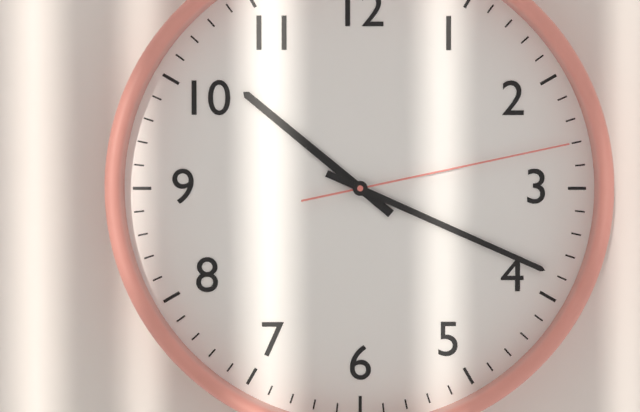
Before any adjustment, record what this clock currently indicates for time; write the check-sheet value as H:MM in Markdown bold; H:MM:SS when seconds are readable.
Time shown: **10:19:13**
